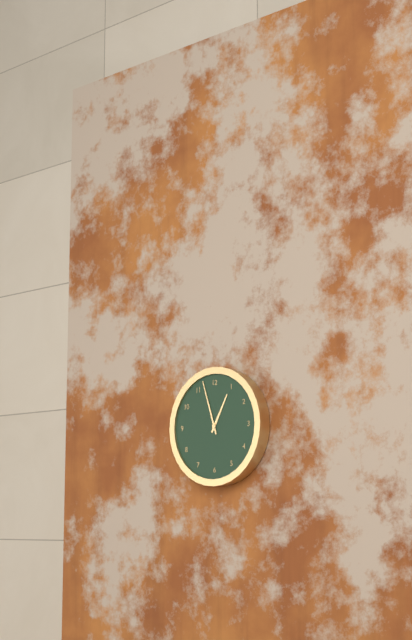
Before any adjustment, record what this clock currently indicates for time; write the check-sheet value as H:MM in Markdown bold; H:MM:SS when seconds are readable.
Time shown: **12:57**
